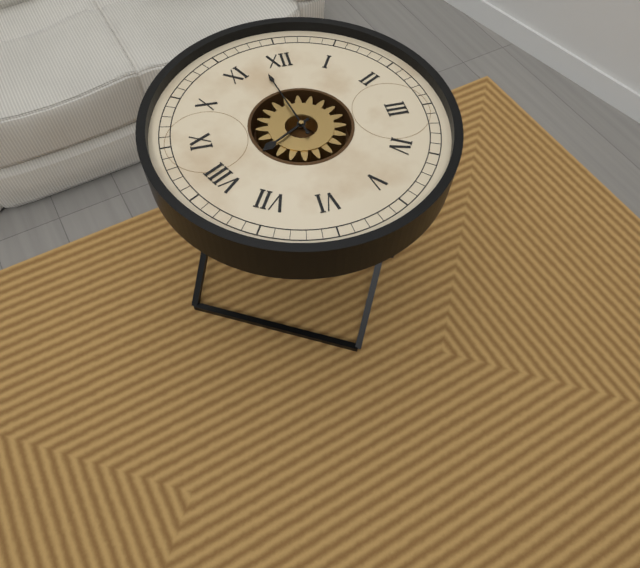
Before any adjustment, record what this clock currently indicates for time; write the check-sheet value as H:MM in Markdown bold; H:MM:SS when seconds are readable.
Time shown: **7:58**
